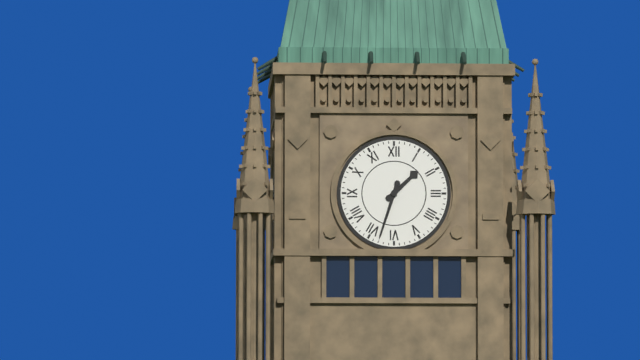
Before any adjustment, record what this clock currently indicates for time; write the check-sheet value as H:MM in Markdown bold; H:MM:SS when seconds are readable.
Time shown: **1:33**
